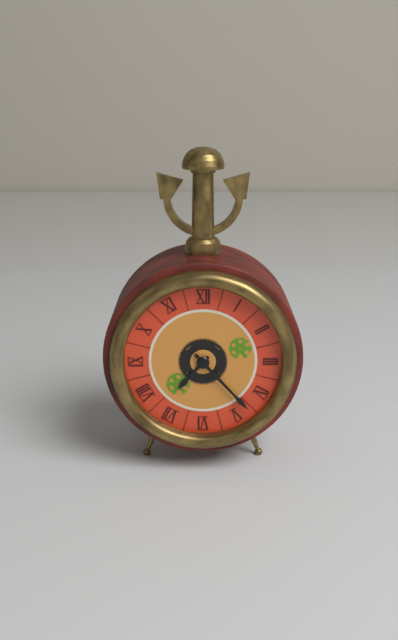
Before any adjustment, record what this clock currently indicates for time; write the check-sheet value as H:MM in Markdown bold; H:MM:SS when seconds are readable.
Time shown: **7:23**
